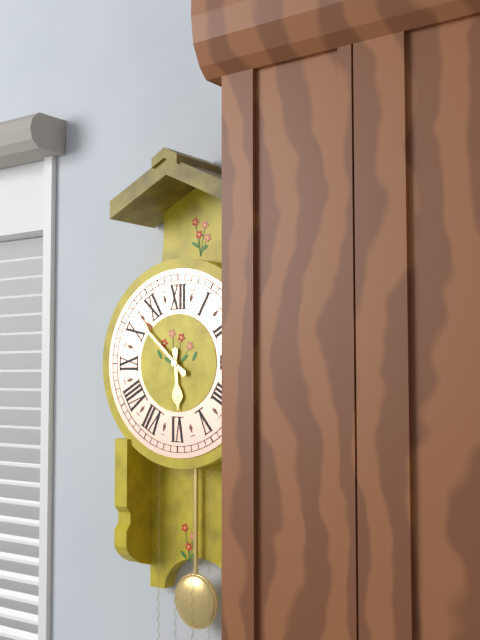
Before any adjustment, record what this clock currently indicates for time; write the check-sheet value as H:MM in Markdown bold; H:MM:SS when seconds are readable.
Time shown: **5:52**
